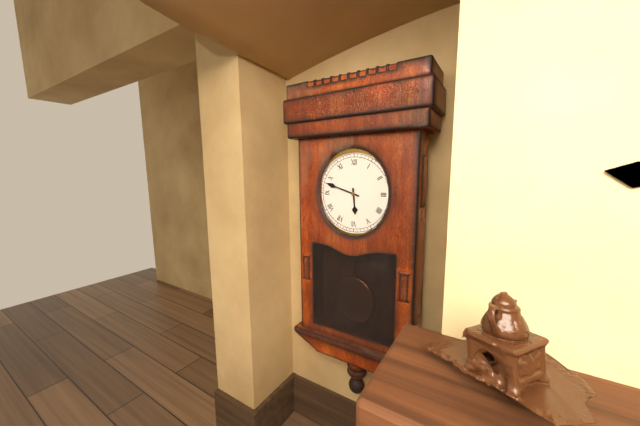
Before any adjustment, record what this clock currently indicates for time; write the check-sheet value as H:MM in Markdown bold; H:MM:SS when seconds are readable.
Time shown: **5:48**
